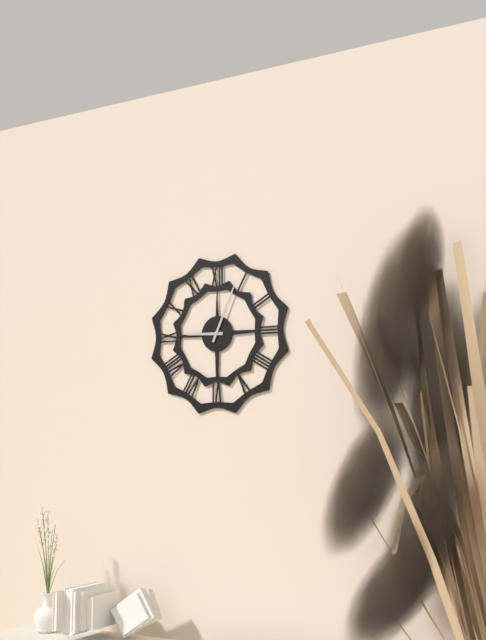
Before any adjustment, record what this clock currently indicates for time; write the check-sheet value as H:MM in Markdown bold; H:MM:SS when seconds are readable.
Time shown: **9:04**
